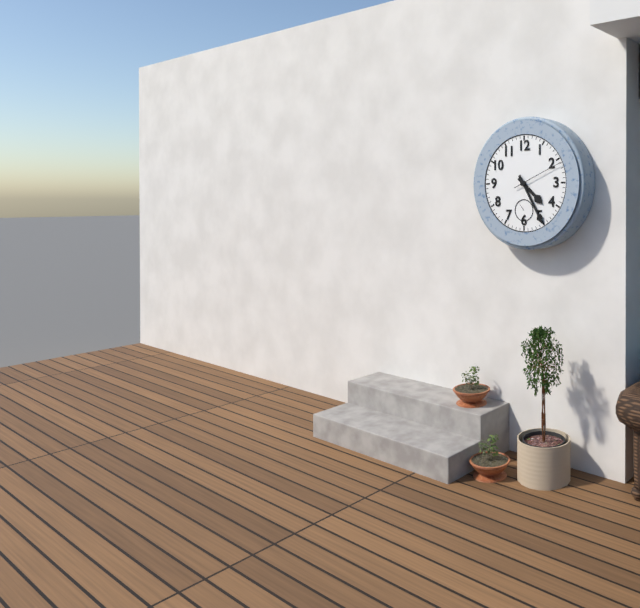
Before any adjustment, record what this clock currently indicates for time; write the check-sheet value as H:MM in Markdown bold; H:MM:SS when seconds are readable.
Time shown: **4:25:11**
